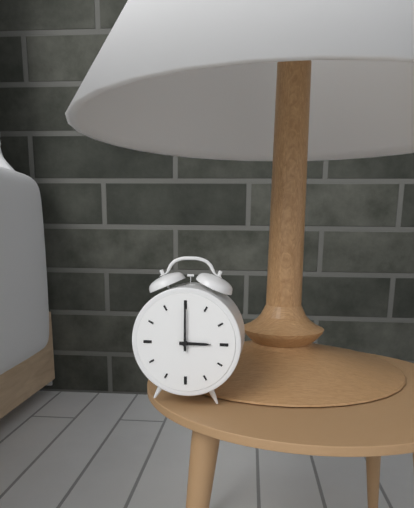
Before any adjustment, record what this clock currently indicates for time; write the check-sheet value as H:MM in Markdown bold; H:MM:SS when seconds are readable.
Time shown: **3:00**
